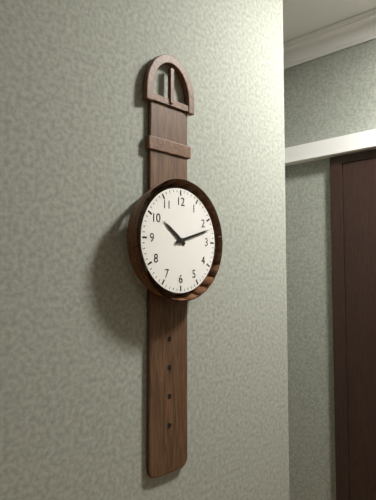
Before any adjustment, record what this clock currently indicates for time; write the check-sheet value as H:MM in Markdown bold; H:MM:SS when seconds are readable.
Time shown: **10:12**
